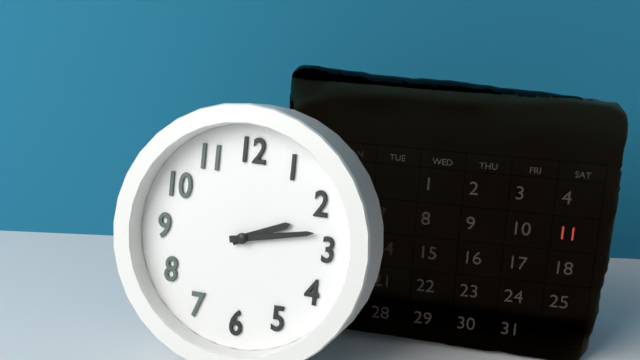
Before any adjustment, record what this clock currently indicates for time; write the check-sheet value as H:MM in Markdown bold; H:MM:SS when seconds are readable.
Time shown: **2:13**
